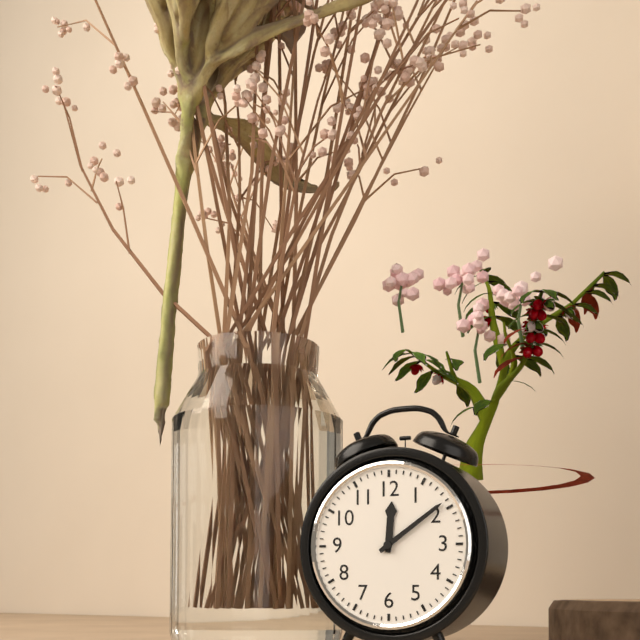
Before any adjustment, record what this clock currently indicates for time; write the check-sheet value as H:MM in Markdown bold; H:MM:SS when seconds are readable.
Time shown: **12:09**
